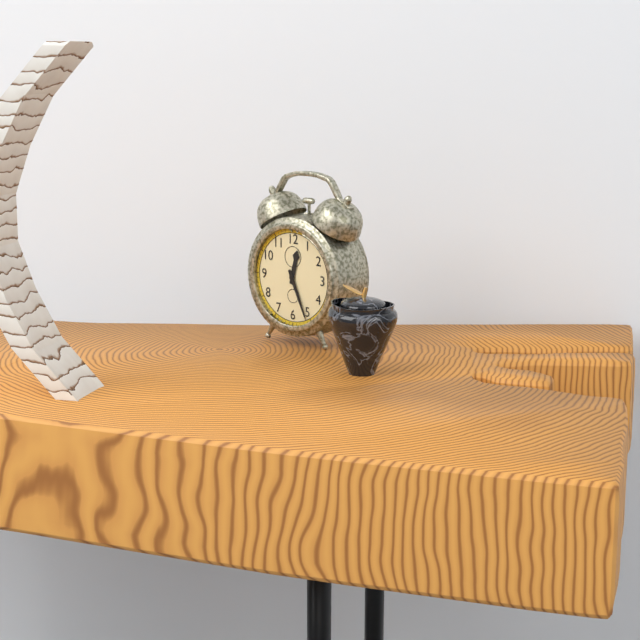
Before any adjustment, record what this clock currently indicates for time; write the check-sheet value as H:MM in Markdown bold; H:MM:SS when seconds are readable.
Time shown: **12:26**
